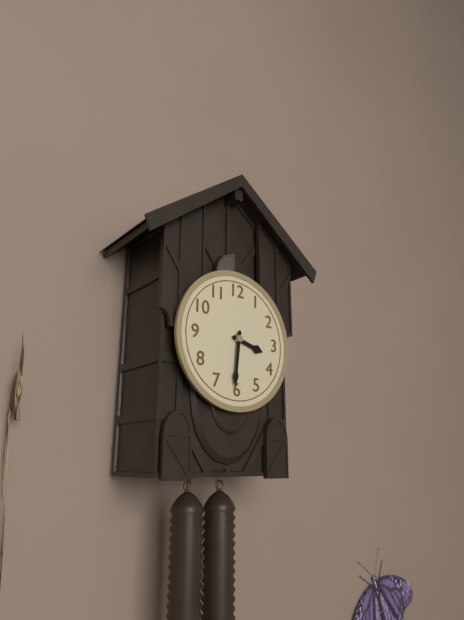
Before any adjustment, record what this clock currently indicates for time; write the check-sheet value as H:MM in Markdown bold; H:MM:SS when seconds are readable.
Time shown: **3:31**
